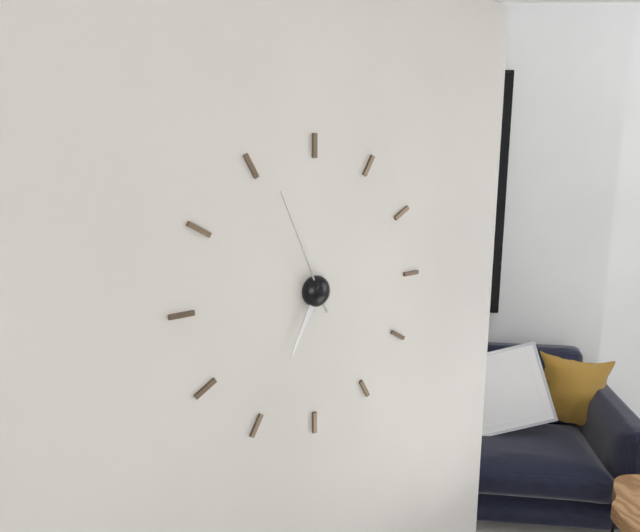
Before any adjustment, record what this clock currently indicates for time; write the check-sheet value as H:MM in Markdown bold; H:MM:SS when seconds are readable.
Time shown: **6:56**
